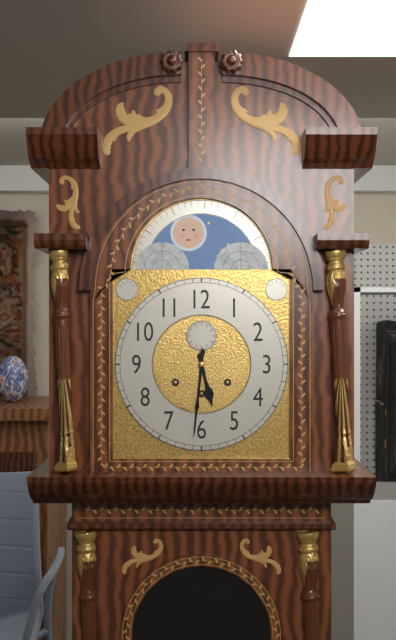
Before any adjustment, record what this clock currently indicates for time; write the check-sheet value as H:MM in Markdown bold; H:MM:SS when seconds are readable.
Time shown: **5:31**
